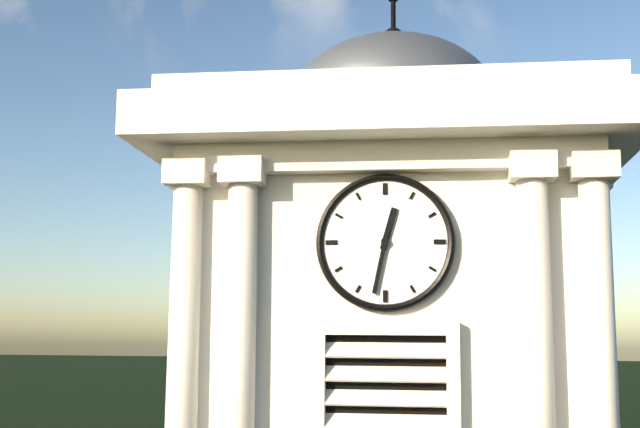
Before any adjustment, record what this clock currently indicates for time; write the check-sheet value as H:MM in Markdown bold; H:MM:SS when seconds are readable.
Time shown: **12:32**
